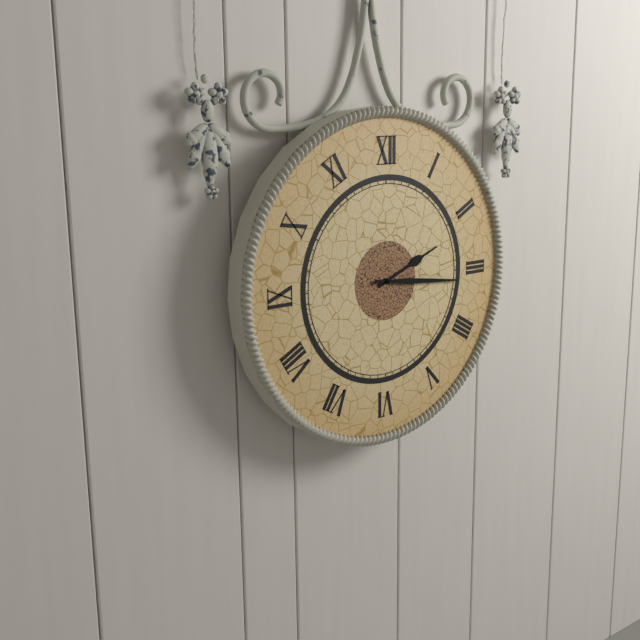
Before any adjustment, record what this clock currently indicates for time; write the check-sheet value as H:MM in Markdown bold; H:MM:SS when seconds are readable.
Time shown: **2:16**
